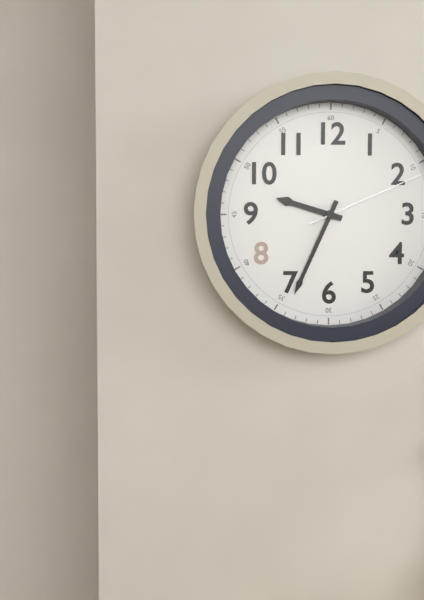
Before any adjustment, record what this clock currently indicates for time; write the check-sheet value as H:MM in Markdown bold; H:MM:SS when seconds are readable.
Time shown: **9:34:11**
